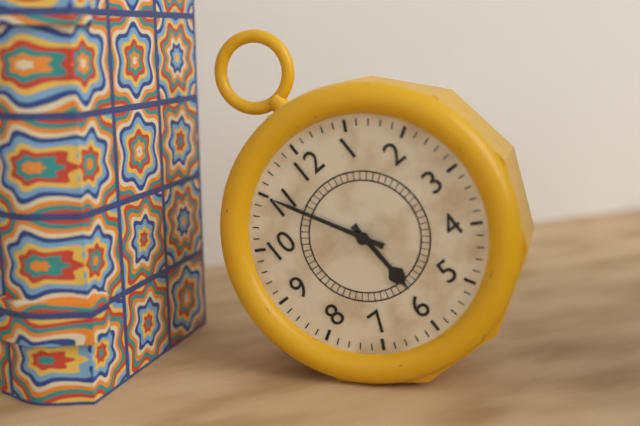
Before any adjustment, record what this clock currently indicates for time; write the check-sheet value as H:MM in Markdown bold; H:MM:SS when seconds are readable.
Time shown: **5:55**
